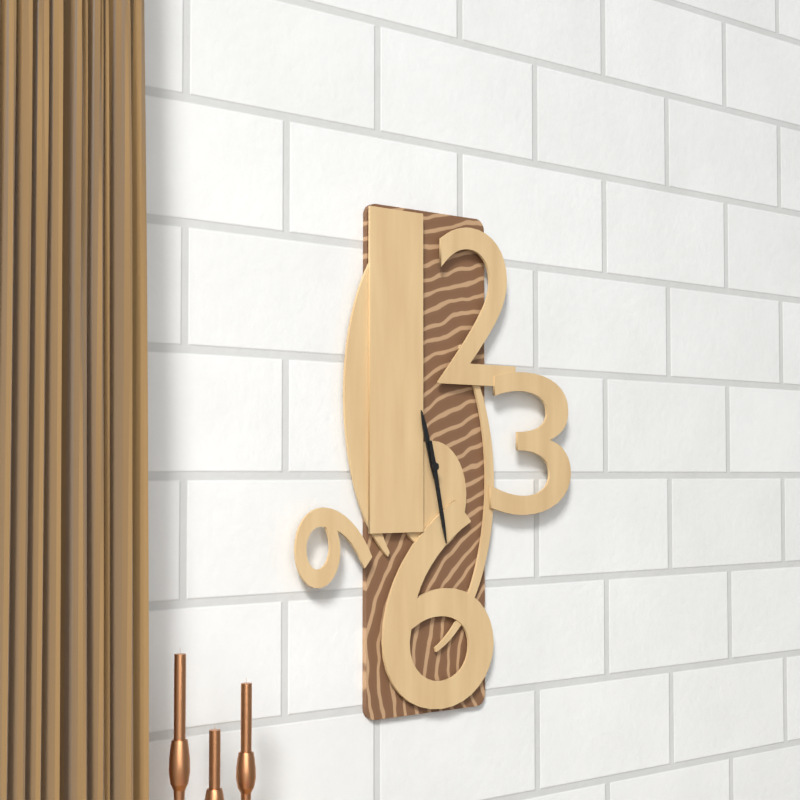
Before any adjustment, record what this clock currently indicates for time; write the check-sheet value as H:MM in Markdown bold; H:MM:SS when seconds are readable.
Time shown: **11:28**
